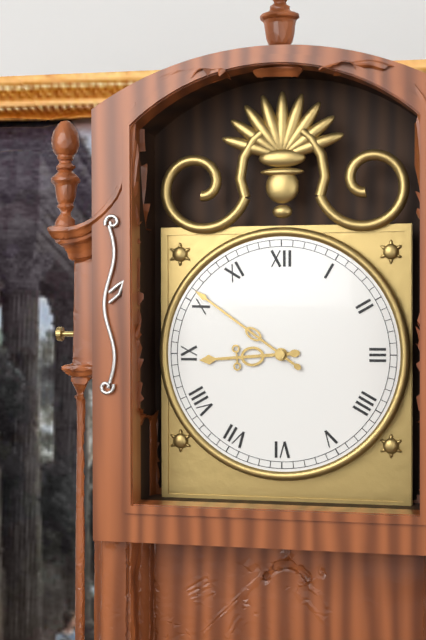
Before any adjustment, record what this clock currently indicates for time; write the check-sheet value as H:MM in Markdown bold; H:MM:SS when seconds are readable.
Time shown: **8:51**
